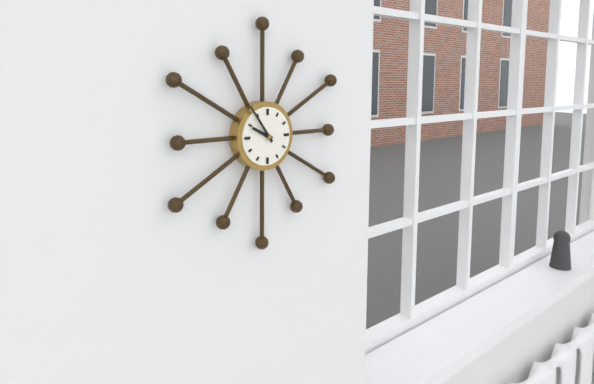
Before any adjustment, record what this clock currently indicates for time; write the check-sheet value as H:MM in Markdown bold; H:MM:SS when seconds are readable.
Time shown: **9:54**
